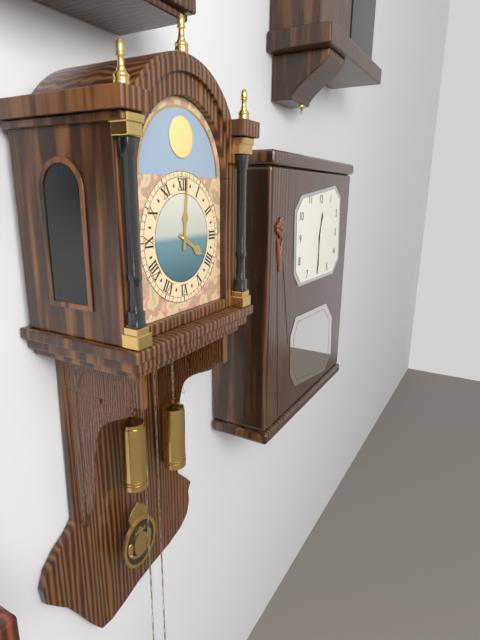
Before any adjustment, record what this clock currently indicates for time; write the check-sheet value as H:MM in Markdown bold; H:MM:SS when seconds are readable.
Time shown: **4:01**
